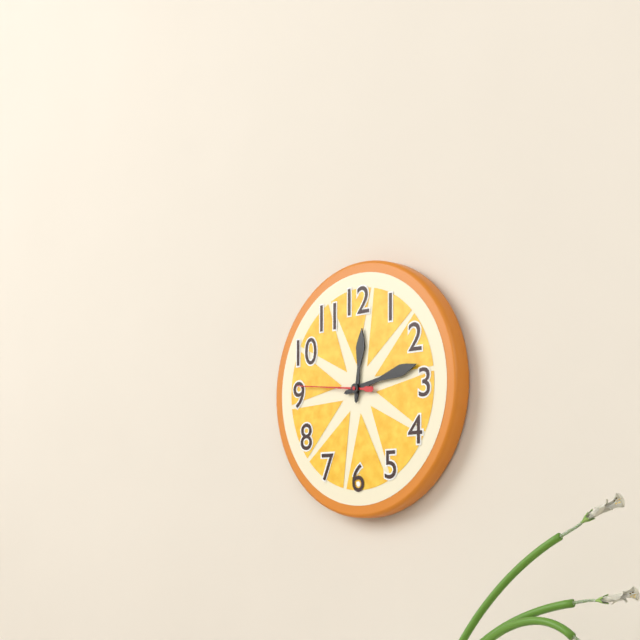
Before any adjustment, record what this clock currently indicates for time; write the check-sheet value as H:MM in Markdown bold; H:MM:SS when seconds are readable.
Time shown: **12:13:46**
